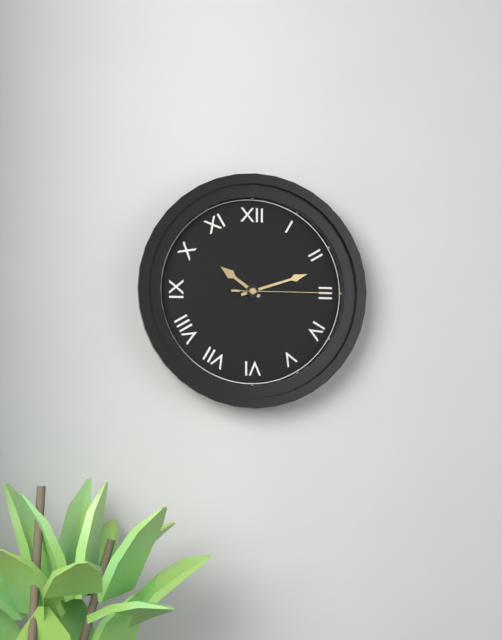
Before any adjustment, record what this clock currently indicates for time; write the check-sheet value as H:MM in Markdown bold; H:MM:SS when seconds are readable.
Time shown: **10:12:15**
